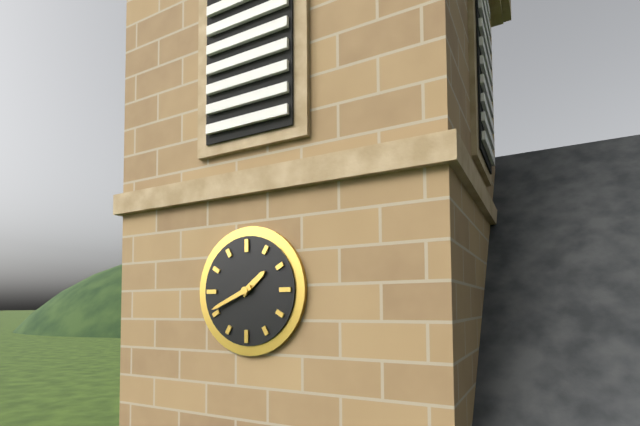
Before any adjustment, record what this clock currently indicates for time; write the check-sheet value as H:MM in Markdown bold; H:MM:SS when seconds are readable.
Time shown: **1:41**
